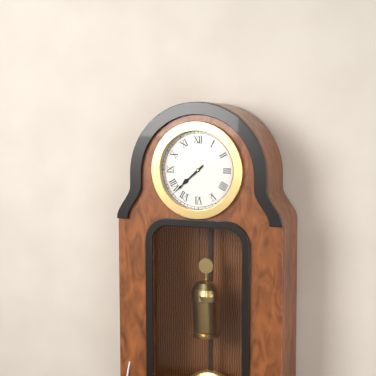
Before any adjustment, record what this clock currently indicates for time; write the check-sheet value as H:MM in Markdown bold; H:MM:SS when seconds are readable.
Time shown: **7:38**
